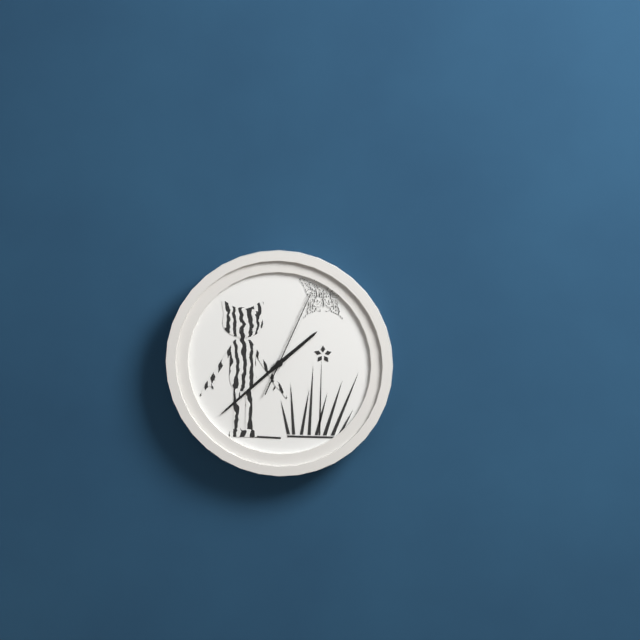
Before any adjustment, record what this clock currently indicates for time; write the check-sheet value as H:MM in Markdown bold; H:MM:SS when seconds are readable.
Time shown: **1:38:04**
